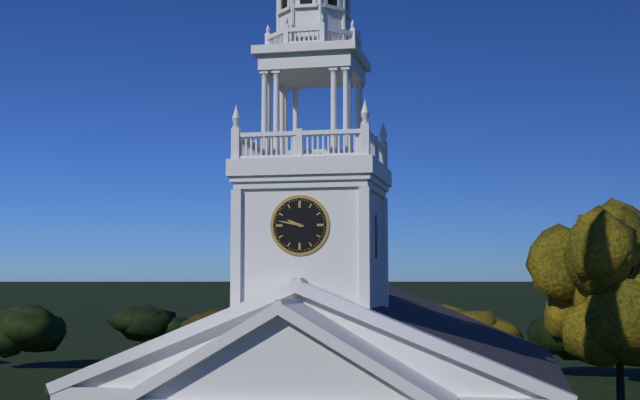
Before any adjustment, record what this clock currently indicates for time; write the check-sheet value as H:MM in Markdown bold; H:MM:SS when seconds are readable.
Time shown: **9:47**
